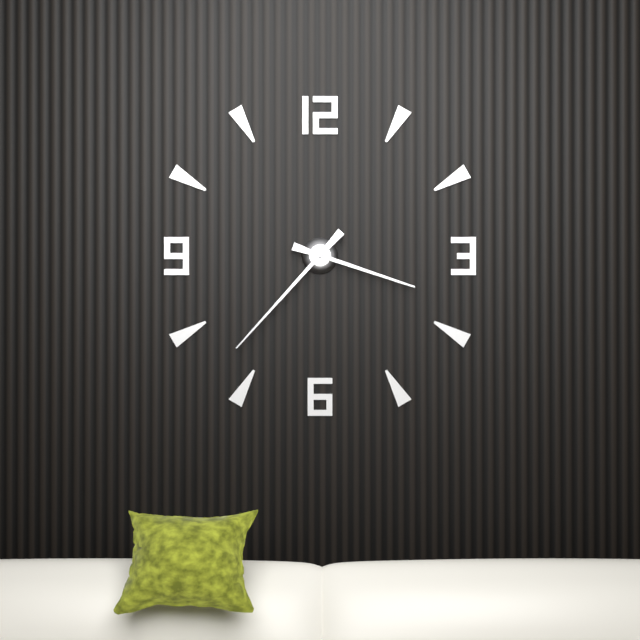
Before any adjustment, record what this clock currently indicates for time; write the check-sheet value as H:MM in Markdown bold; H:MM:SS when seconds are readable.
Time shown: **3:37**
